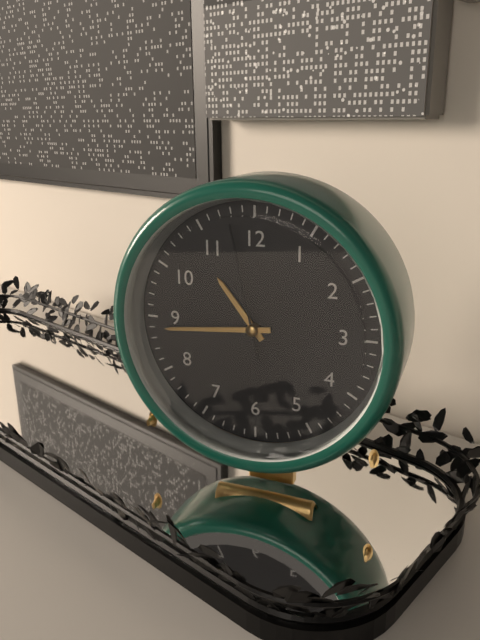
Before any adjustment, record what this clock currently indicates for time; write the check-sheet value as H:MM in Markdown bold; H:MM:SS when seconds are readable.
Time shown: **10:44:58**
